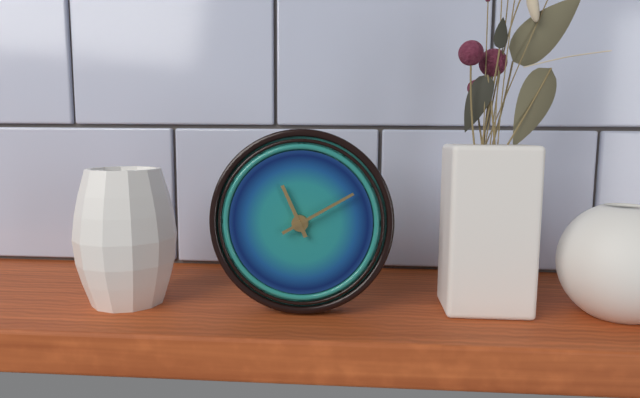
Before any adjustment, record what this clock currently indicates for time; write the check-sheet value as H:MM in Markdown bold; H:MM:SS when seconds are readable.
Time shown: **11:10**
